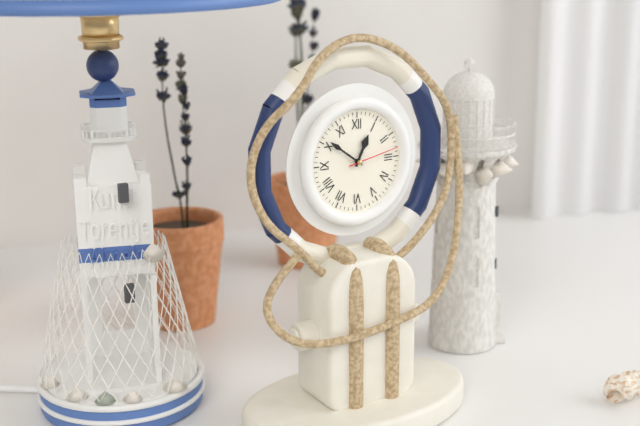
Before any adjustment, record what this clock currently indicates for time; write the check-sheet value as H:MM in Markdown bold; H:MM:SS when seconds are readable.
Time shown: **12:51:13**
